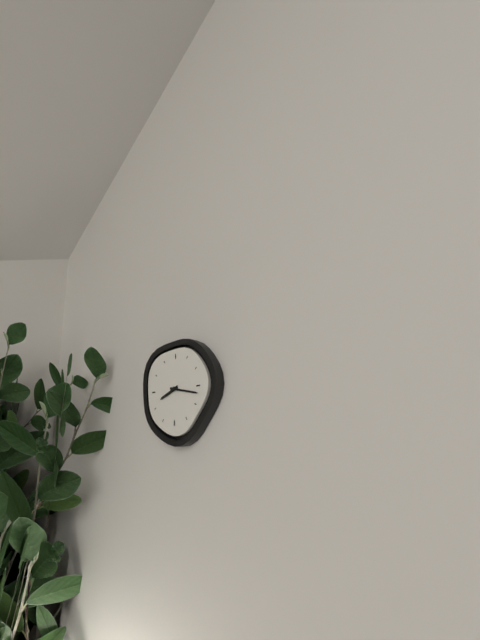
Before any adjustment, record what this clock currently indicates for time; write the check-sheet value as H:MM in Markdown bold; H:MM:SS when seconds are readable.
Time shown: **8:17**
